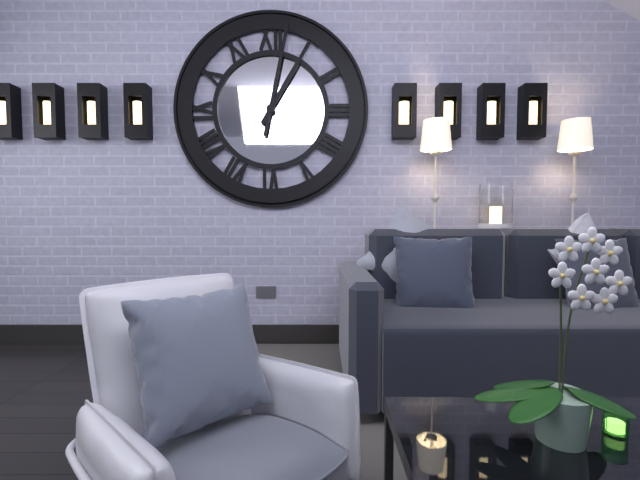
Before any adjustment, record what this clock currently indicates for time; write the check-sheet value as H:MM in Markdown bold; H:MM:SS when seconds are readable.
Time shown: **1:02**
